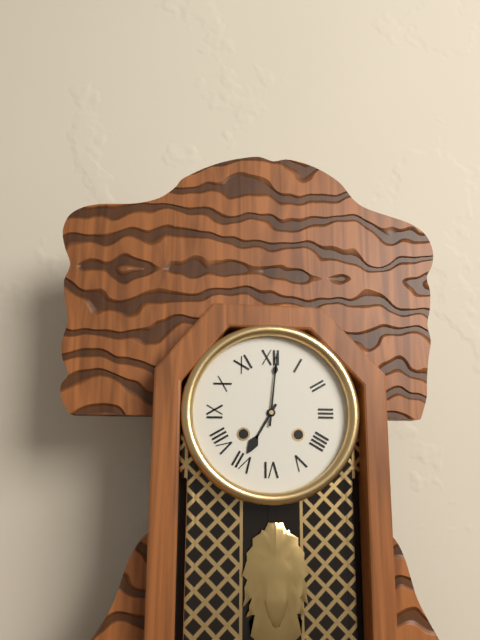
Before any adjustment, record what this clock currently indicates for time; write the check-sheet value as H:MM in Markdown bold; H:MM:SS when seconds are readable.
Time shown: **7:01**
